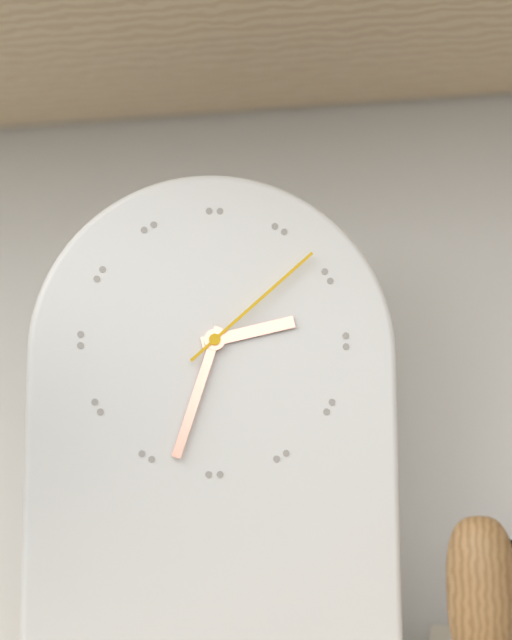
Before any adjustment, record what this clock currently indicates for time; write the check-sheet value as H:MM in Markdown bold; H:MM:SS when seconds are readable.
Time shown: **2:33:08**
